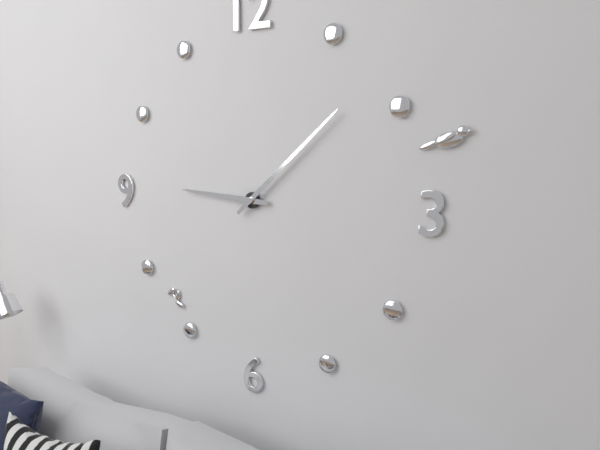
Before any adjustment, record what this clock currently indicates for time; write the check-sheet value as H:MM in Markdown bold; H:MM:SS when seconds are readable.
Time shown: **9:08**
